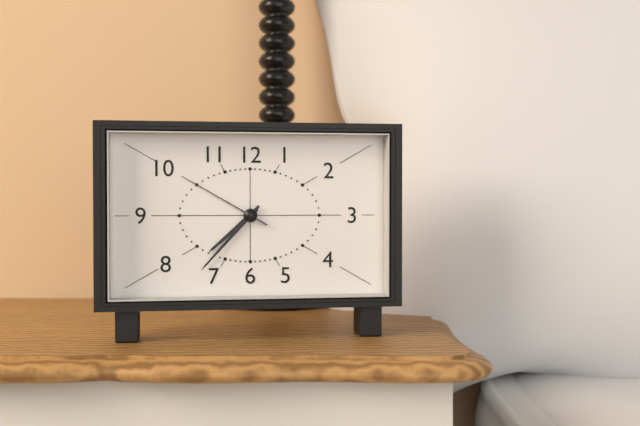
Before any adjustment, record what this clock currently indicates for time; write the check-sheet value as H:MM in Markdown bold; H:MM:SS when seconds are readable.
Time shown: **7:37:50**
